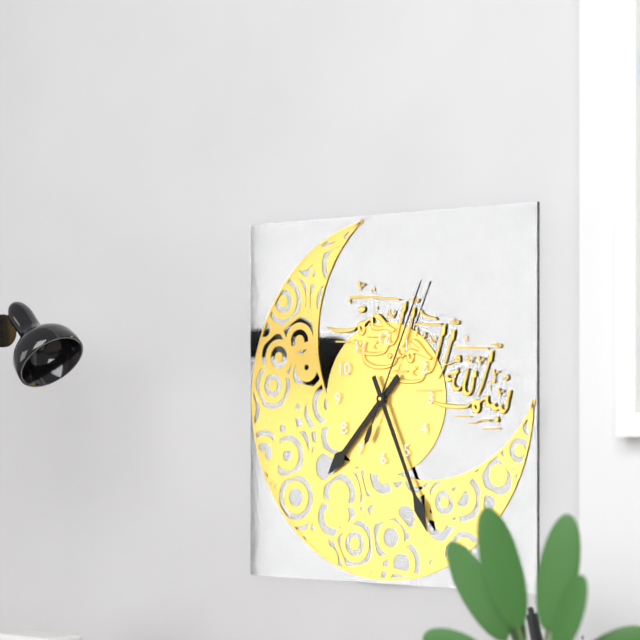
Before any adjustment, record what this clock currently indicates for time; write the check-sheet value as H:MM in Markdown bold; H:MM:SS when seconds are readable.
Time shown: **7:26:04**
